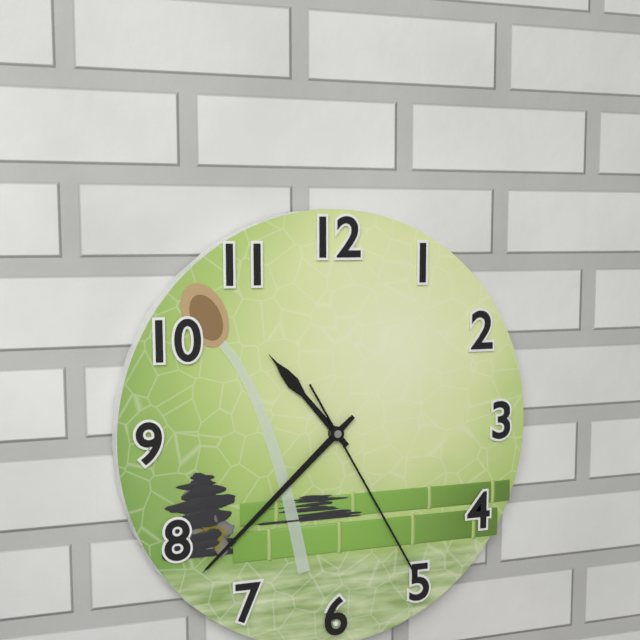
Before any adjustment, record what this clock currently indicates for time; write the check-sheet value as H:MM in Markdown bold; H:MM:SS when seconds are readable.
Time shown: **10:38:25**
